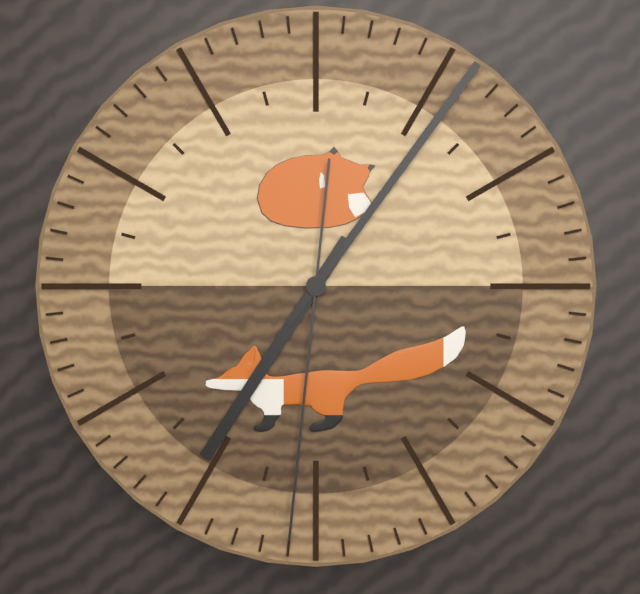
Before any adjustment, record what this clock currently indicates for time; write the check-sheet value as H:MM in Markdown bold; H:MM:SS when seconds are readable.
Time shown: **7:06:31**
